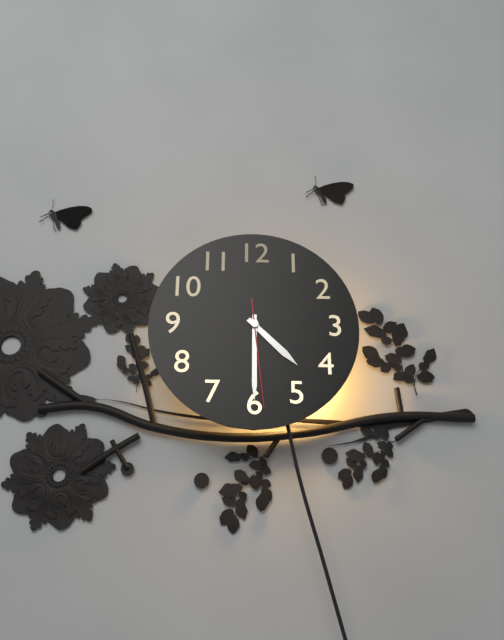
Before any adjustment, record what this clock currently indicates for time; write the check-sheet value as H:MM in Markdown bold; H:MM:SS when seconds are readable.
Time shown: **4:30:29**
